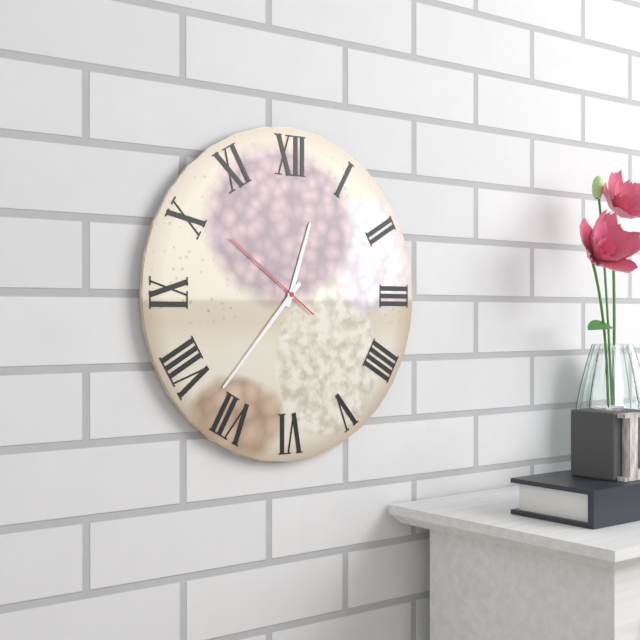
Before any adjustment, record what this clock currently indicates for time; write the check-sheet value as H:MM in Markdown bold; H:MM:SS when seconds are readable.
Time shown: **12:37:51**
